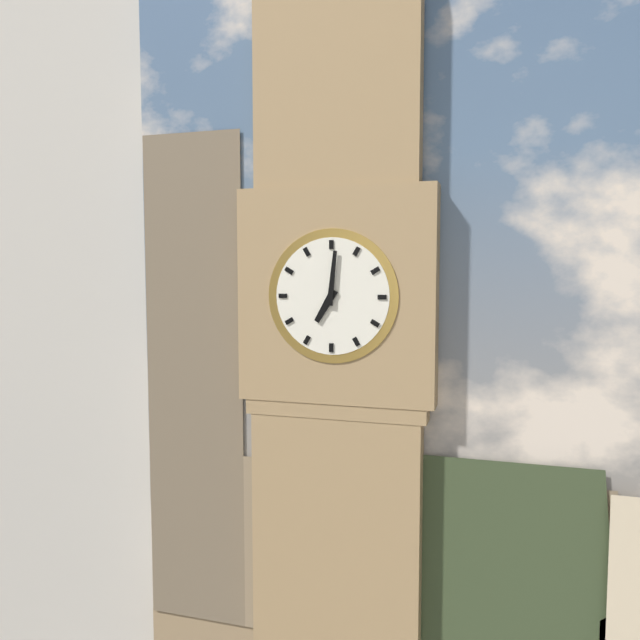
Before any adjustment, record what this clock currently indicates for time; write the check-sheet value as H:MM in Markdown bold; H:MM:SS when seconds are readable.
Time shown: **7:01**
